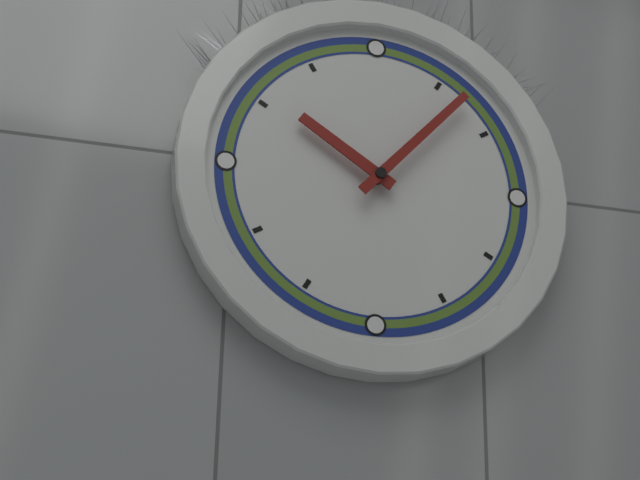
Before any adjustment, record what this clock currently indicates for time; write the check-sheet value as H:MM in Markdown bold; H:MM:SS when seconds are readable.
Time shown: **10:07**
